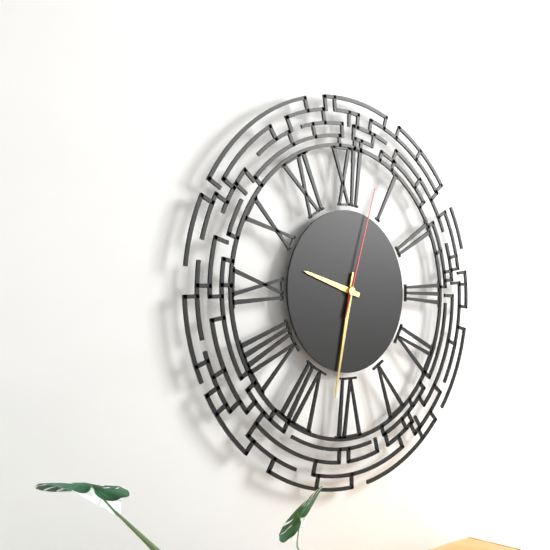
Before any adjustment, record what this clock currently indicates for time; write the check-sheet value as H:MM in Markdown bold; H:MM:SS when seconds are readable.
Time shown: **9:32:03**
